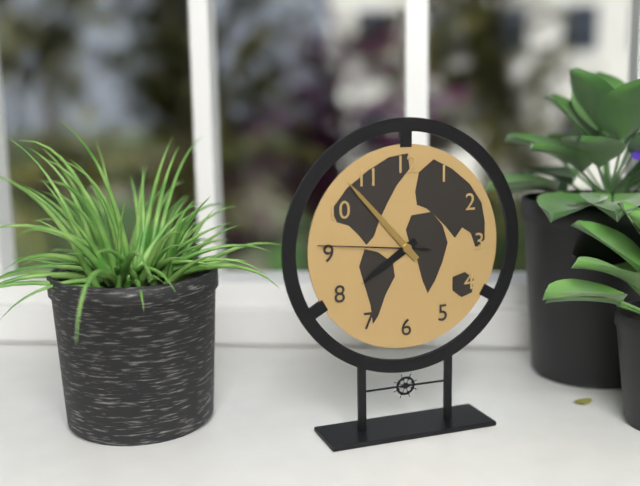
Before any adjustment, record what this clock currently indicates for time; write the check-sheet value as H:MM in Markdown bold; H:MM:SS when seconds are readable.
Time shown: **7:53:46**
